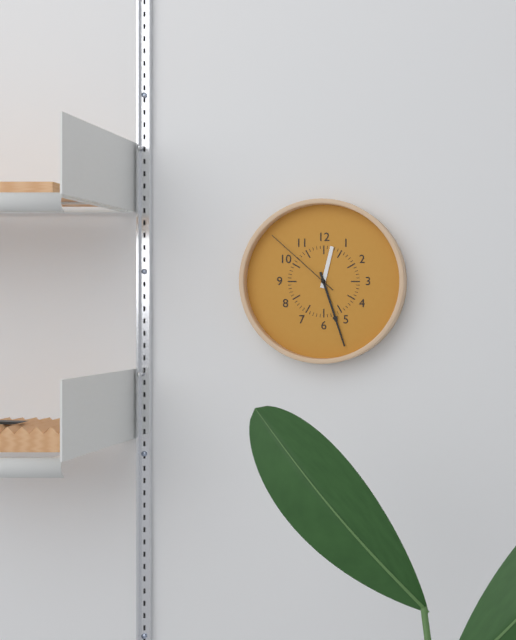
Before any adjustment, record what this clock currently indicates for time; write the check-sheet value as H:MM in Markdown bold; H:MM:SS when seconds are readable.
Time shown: **12:27:52**
